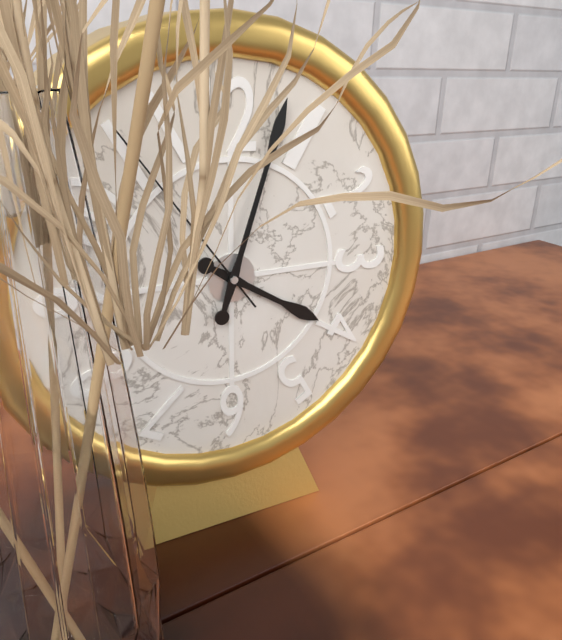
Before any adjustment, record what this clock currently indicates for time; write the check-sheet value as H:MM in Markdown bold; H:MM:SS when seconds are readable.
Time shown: **4:03**
